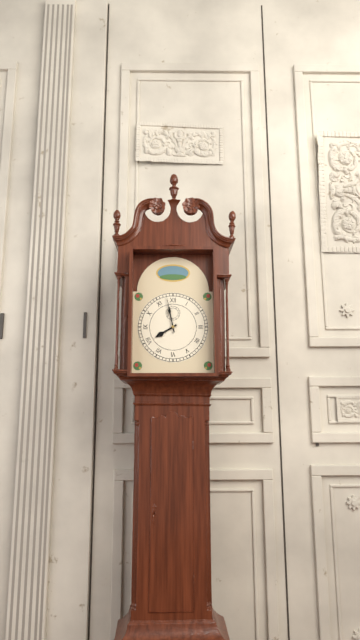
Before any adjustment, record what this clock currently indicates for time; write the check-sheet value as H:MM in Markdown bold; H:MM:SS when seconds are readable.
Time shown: **7:58**
